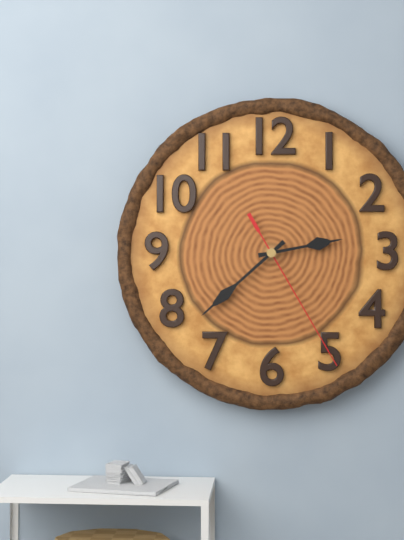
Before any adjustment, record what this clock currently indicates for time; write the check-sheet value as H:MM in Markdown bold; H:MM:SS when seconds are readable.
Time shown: **2:38:25**
